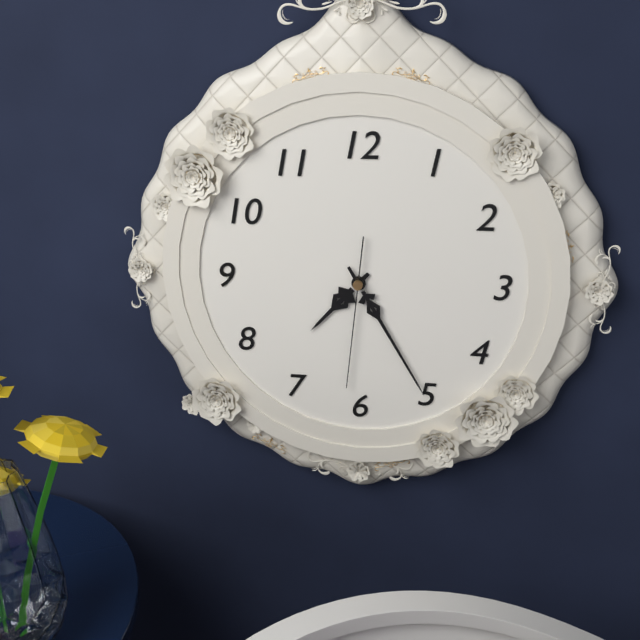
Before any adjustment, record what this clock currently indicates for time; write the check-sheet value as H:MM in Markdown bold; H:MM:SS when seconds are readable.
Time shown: **7:25:31**
